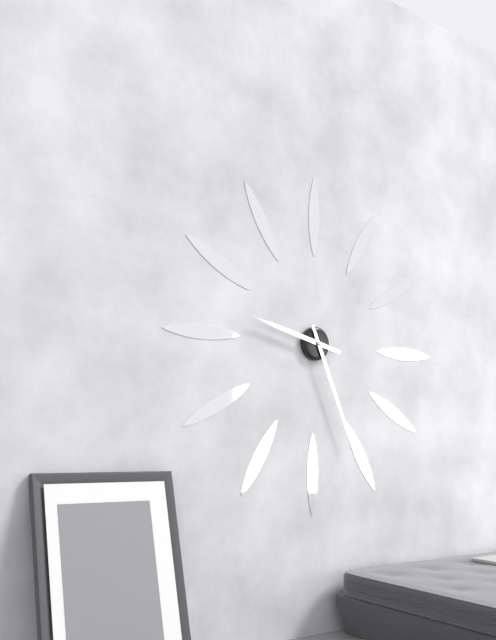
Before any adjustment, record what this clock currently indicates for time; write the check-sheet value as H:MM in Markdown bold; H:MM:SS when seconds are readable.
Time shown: **9:26**
